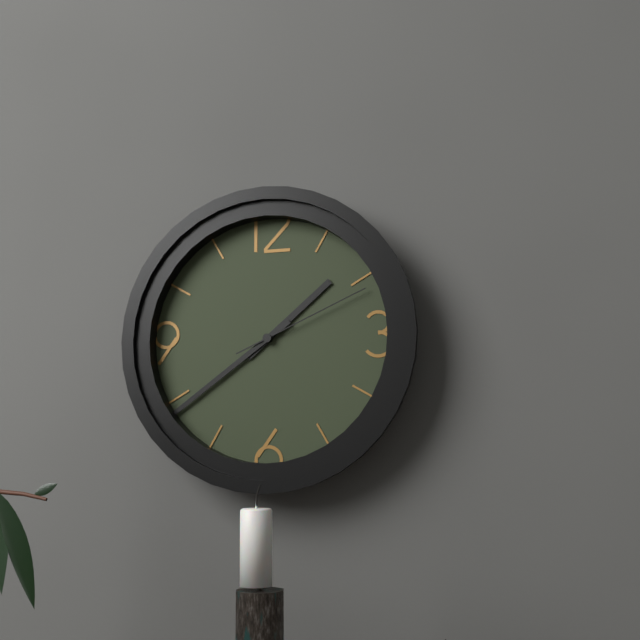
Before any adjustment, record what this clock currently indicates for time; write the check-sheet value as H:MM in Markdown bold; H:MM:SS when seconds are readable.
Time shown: **1:39:11**
